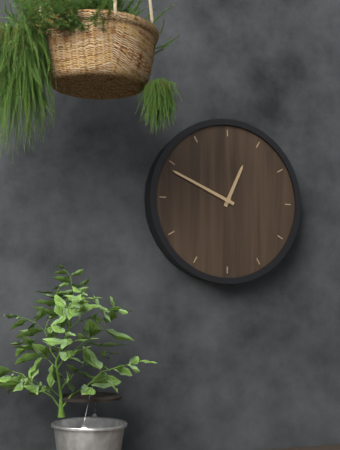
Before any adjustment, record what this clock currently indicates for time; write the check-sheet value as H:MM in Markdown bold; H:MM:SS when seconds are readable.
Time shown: **12:49**
